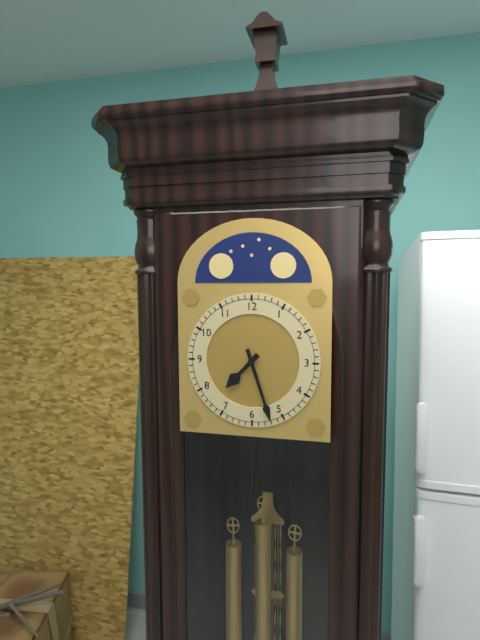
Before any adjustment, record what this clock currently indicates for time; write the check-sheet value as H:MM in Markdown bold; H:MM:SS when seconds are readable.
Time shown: **7:27**
